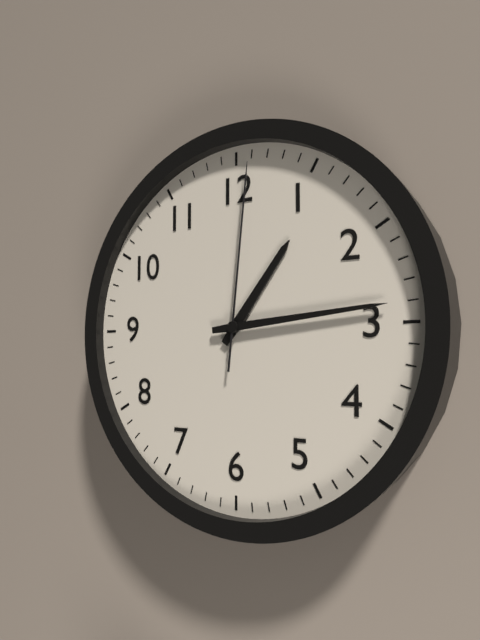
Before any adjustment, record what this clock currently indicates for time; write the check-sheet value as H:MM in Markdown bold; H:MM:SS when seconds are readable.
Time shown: **1:14:01**
